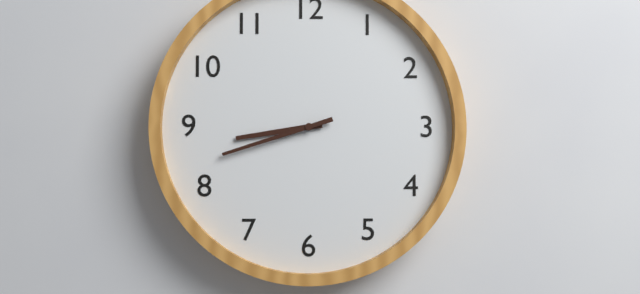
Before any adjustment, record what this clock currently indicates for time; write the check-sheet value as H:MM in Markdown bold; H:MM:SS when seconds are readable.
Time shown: **8:42**
